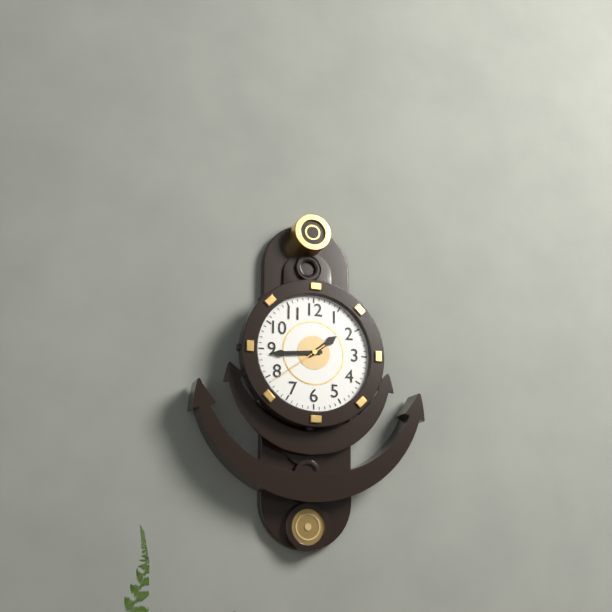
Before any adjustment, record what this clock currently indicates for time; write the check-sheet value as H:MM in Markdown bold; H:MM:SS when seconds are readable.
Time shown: **1:44:39**
